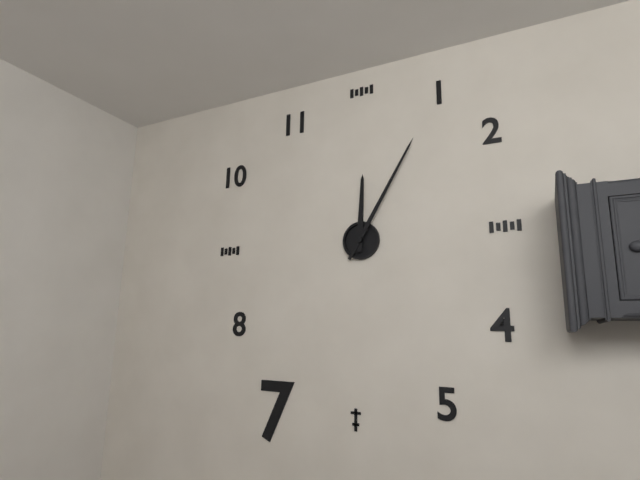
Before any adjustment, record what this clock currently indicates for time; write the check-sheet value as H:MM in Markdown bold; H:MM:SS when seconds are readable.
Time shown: **12:05**
